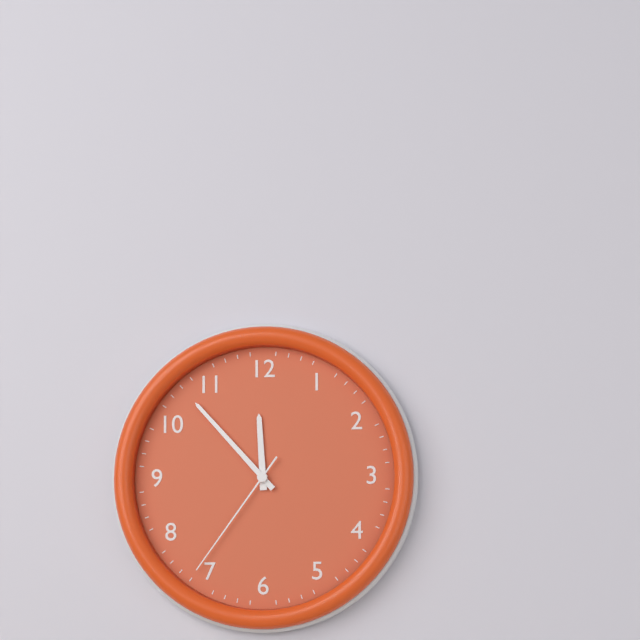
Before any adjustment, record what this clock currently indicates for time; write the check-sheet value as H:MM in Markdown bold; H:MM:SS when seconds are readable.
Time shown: **11:53:36**
